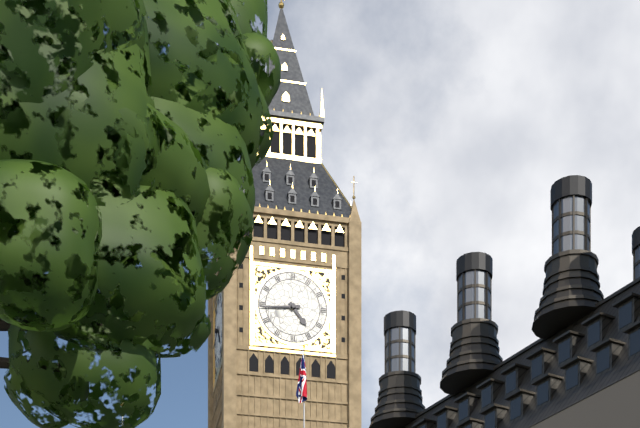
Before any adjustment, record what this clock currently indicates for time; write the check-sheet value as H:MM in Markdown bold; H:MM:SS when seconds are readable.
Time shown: **4:44**
